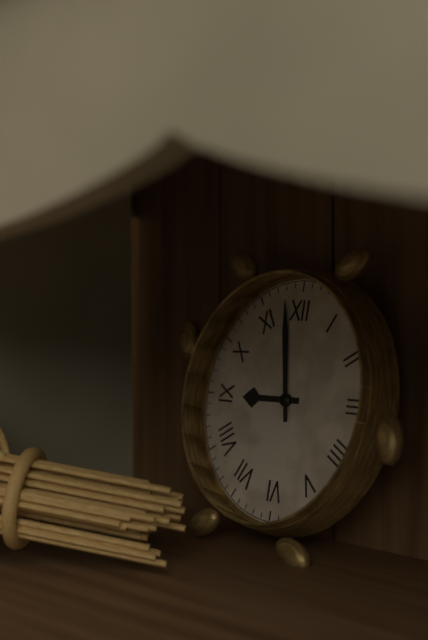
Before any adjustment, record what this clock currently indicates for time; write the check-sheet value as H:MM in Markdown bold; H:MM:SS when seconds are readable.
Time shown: **8:58**
